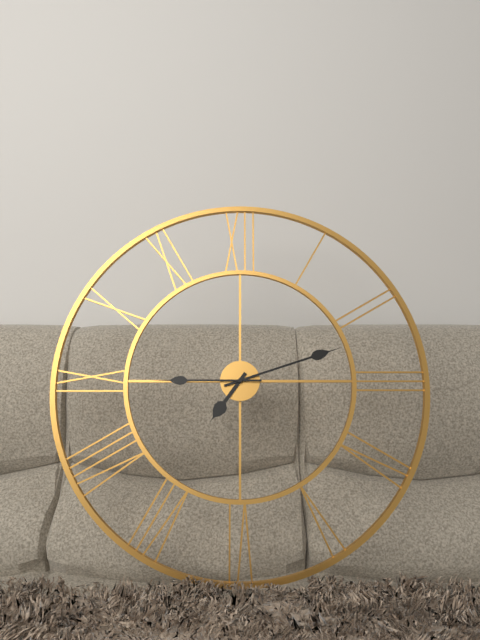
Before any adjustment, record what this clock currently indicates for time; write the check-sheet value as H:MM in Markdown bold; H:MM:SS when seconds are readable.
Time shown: **7:12:45**
